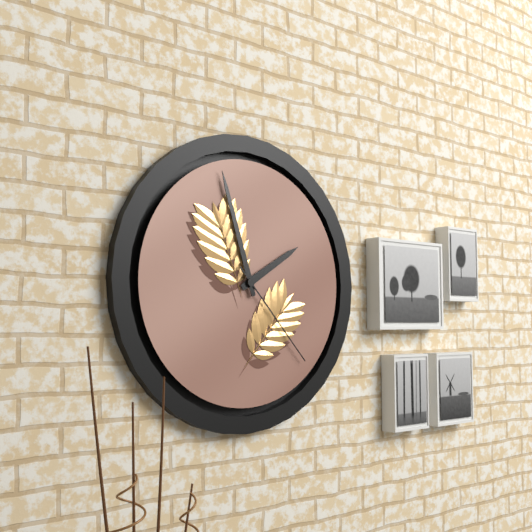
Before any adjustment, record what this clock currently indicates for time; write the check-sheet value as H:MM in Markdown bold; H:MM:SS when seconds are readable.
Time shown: **1:57:23**
